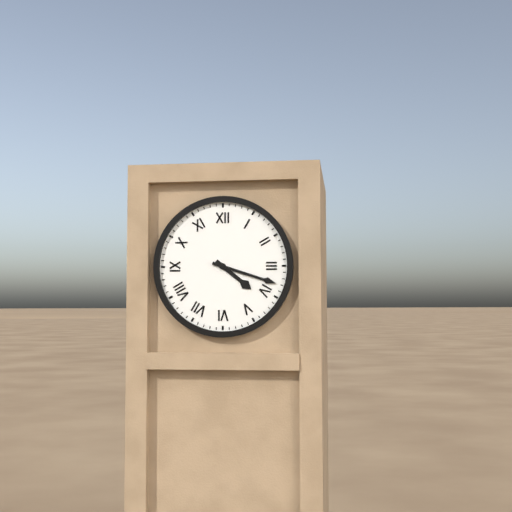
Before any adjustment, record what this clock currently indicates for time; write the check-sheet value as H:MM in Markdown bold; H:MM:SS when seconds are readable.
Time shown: **4:18**
